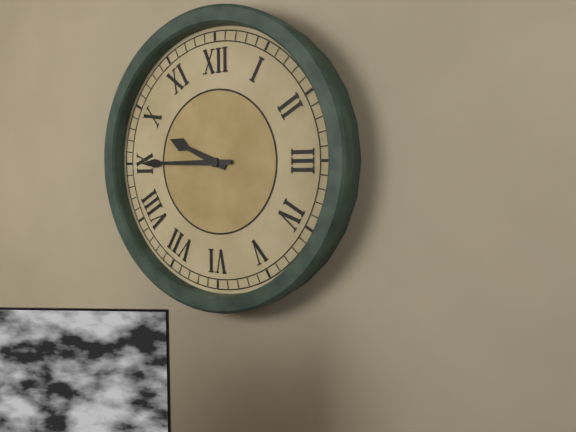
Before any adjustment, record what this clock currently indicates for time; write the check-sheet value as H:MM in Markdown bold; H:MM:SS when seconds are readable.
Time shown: **9:45**
